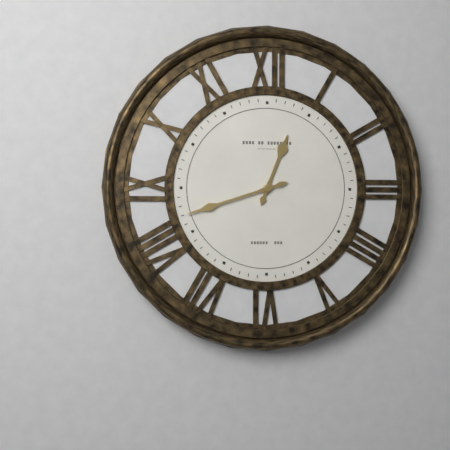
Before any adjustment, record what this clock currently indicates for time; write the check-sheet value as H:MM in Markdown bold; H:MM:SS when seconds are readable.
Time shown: **12:42**
